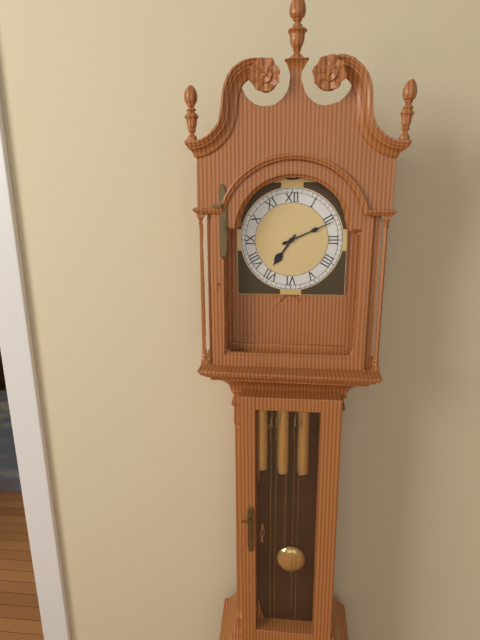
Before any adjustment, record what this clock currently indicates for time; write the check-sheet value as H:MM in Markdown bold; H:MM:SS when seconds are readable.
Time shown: **7:11**
